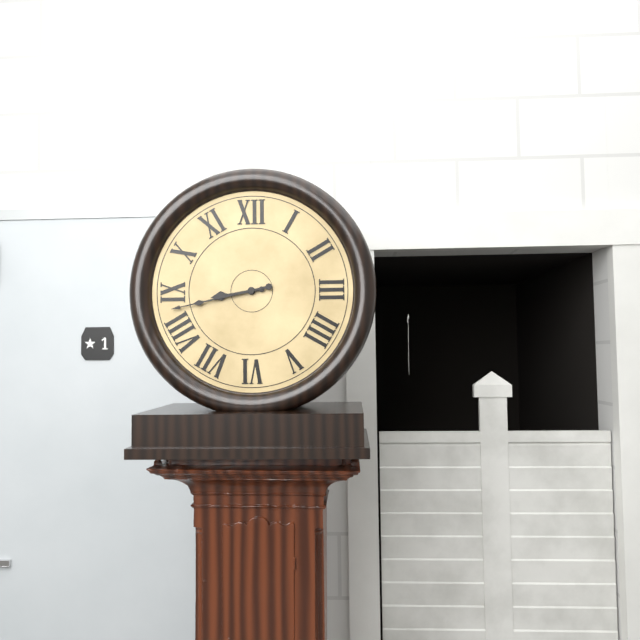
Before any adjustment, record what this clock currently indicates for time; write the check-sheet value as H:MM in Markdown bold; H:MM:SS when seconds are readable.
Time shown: **8:43**
